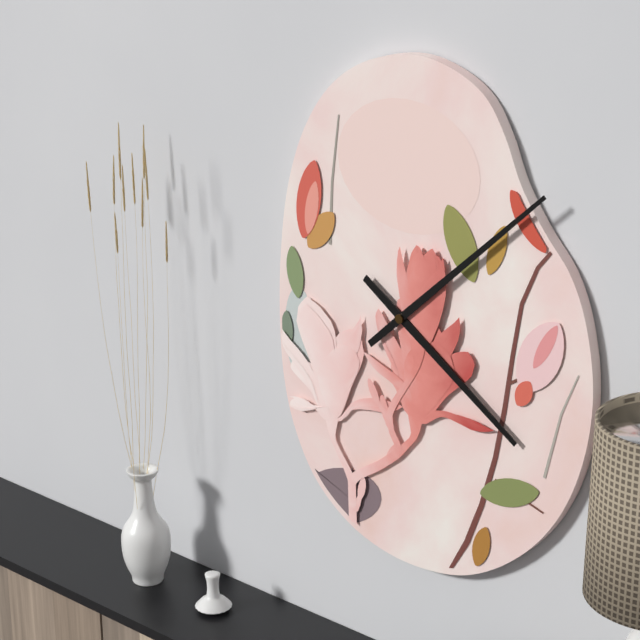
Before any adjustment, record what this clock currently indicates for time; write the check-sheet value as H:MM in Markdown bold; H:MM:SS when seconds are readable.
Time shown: **4:08**
